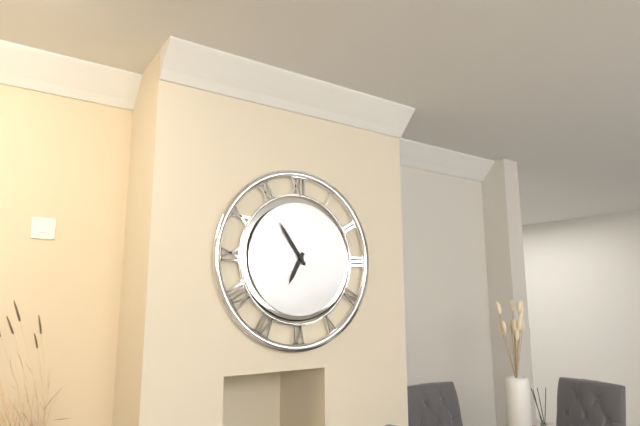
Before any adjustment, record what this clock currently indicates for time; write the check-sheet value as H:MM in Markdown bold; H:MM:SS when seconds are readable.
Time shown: **6:54**
